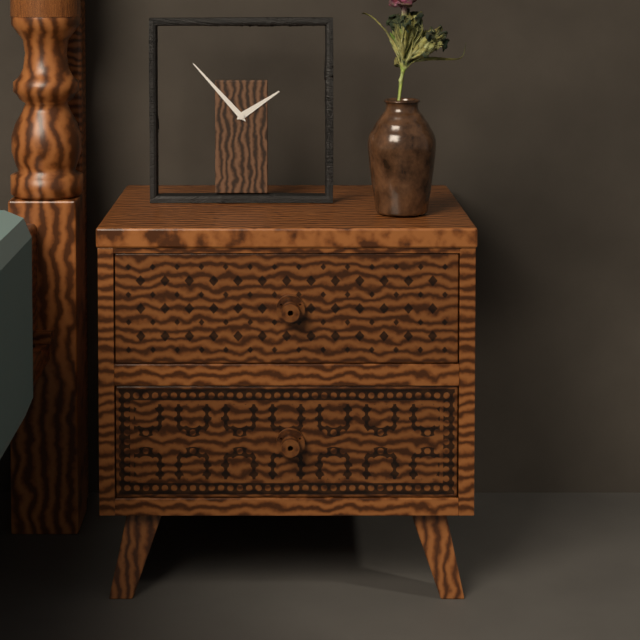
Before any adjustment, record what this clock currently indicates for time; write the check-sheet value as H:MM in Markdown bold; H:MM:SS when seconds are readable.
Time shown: **1:53**
